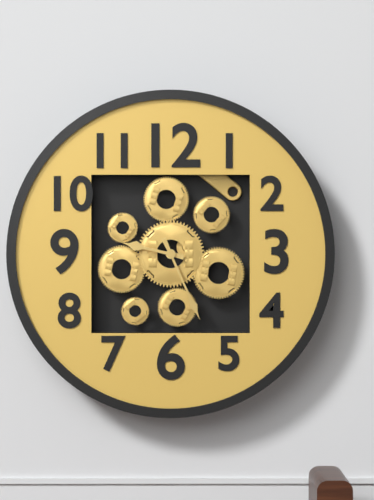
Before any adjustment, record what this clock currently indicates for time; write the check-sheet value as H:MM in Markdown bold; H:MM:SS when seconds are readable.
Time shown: **9:26**
